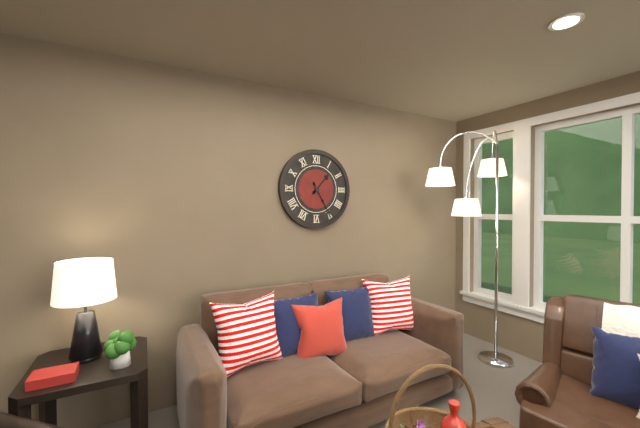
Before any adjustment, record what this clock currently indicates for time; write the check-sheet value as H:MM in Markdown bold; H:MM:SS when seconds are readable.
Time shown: **1:25**
